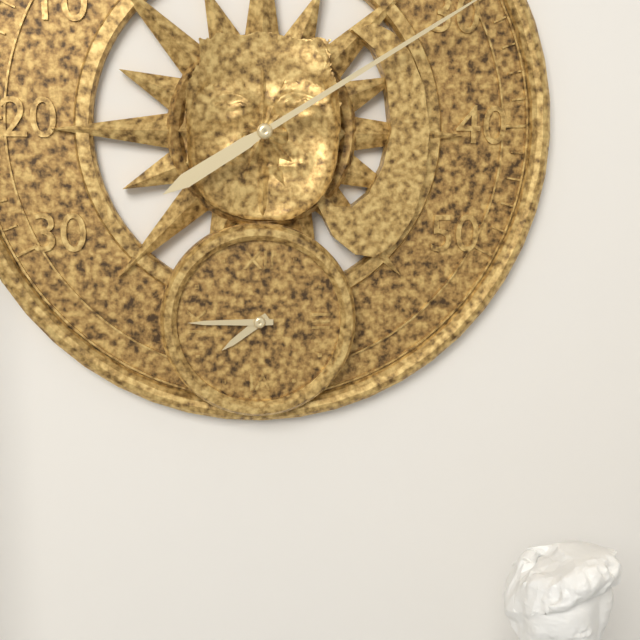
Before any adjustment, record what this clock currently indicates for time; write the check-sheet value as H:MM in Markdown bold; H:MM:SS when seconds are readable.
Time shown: **7:45**
